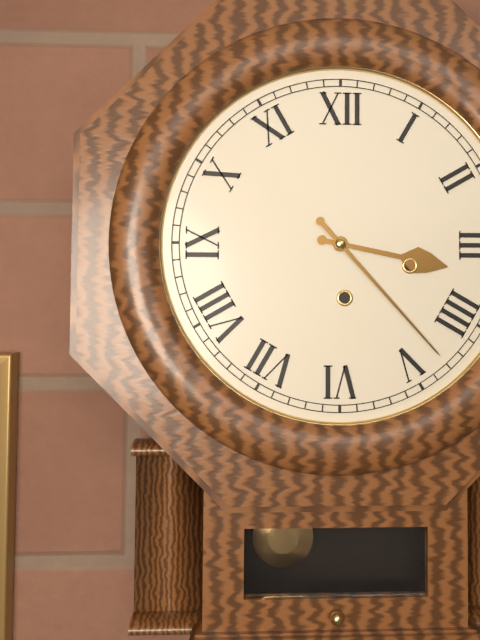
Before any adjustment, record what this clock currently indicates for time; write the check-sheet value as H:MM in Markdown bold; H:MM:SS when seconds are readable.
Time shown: **3:23**
